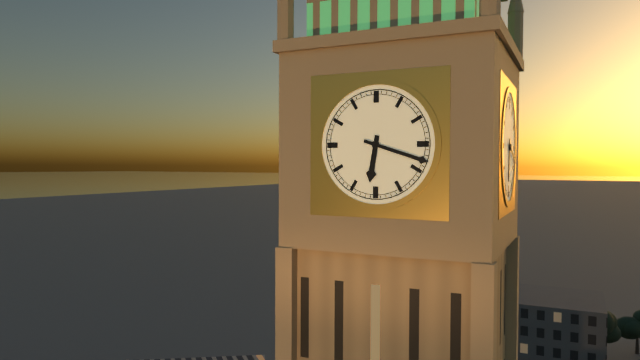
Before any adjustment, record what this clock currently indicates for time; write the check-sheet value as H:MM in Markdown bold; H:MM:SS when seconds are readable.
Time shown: **6:18**
